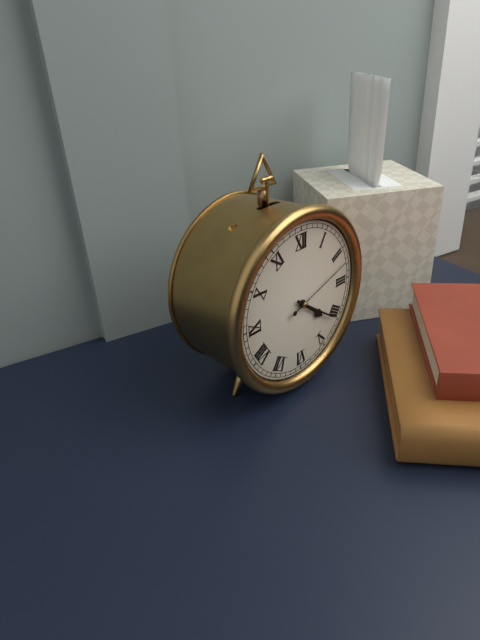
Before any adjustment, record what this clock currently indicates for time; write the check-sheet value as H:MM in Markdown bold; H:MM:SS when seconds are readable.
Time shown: **4:21:12**
